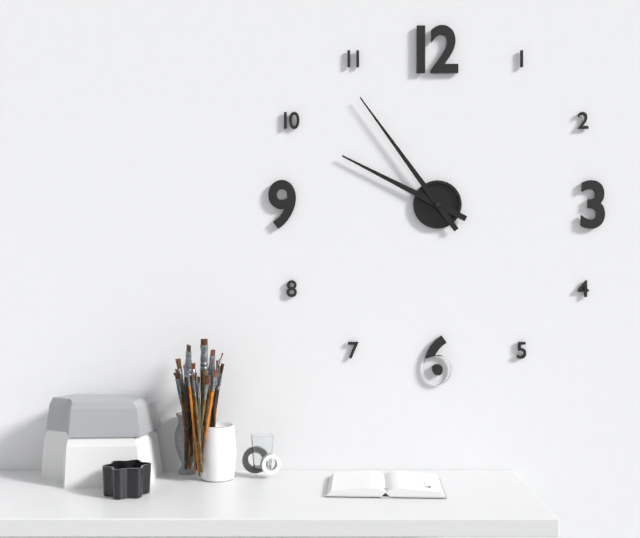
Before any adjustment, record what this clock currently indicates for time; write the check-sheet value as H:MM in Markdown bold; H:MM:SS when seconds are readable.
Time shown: **9:54**
